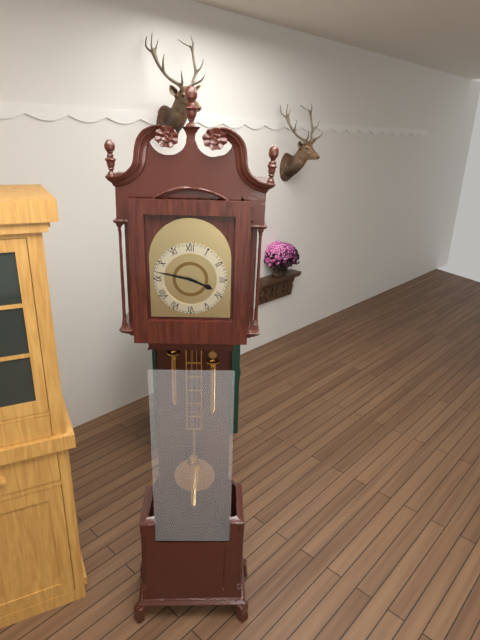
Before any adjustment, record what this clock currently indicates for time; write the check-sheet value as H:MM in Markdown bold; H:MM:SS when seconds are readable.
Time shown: **3:47**
